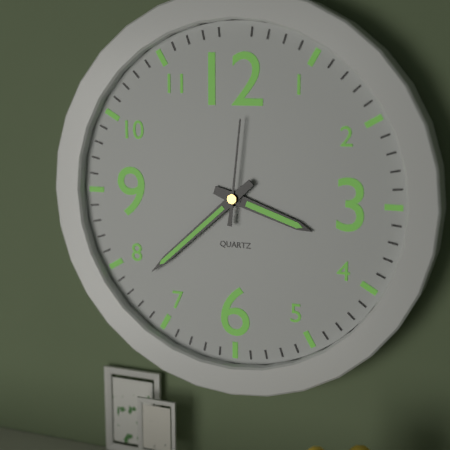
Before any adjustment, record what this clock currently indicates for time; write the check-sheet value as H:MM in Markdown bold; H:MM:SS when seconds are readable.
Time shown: **3:38:01**
